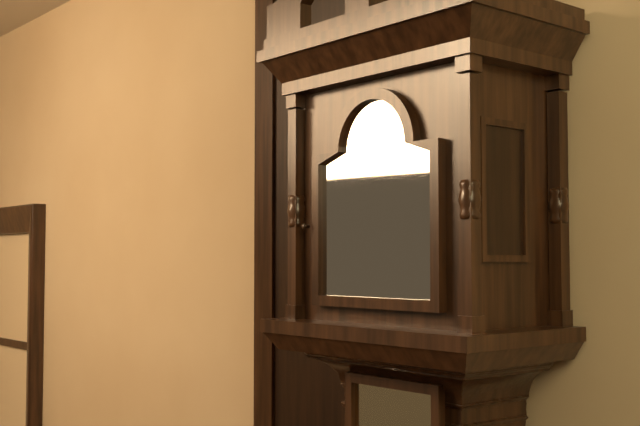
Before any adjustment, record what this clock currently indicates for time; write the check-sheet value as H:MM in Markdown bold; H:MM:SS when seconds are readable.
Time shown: **10:54**
